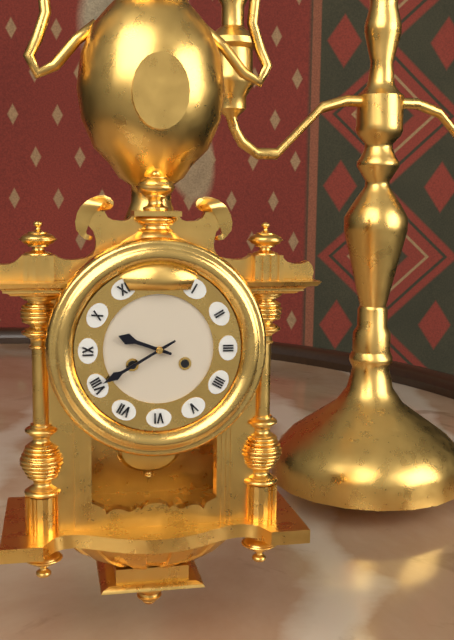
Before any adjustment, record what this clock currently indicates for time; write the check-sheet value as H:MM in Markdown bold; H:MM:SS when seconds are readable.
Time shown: **9:40**
